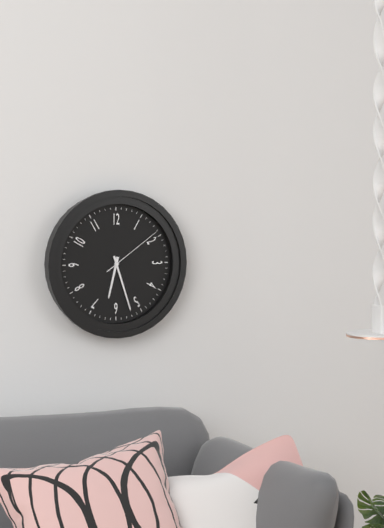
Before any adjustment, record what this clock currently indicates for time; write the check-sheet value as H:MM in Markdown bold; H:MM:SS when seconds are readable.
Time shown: **6:27:09**
